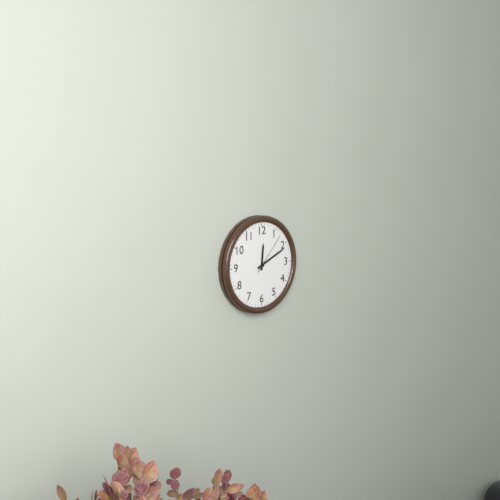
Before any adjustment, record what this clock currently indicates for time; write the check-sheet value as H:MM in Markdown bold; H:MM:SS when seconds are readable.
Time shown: **12:11**
